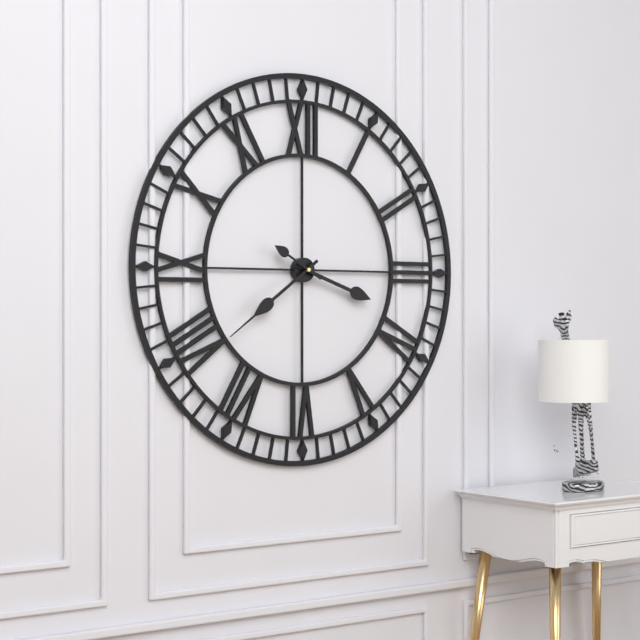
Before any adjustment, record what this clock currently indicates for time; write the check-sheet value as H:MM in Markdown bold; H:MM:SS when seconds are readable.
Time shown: **3:39**
